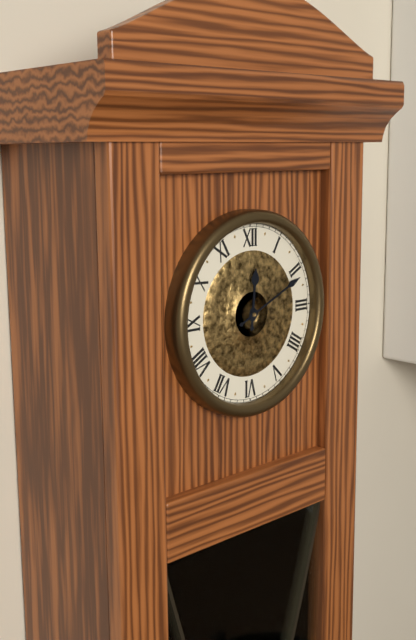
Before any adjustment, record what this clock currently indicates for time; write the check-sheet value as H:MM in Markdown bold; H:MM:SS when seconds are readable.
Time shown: **12:11**
